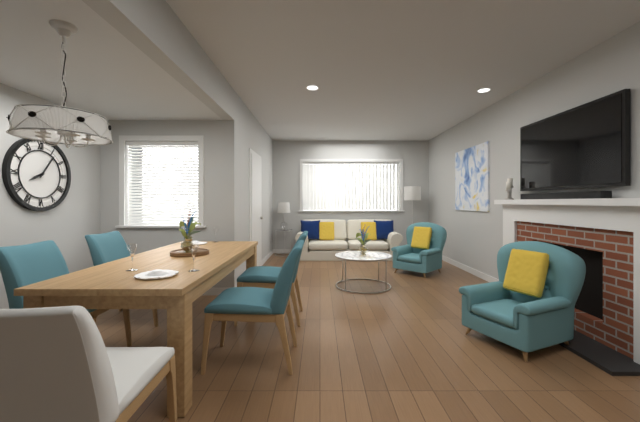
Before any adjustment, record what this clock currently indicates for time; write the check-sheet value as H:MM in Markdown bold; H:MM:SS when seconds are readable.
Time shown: **8:06**
